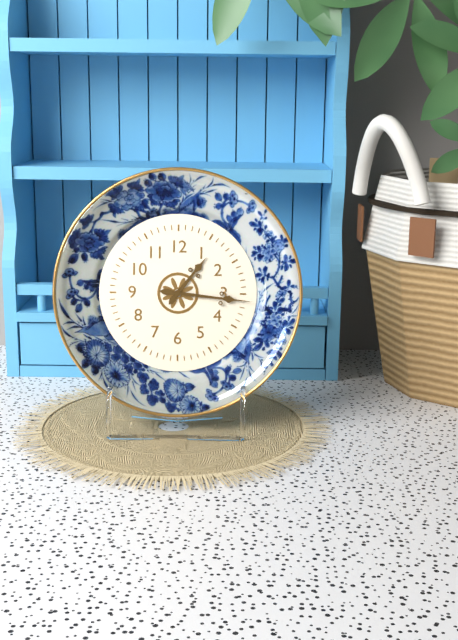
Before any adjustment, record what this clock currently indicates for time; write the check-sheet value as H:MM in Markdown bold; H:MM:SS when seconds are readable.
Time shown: **1:16**
